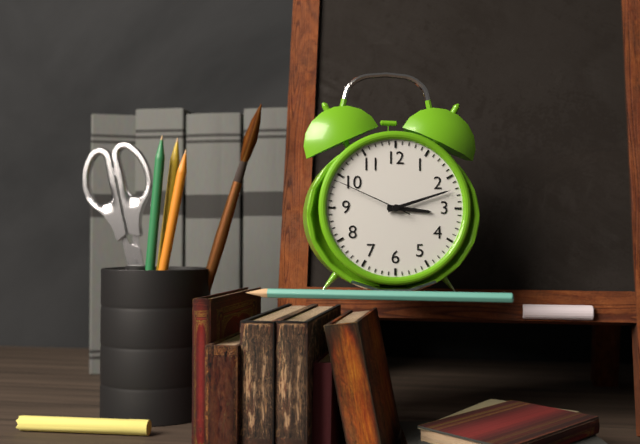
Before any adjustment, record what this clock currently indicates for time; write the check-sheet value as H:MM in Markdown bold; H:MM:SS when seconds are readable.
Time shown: **3:12:49**
